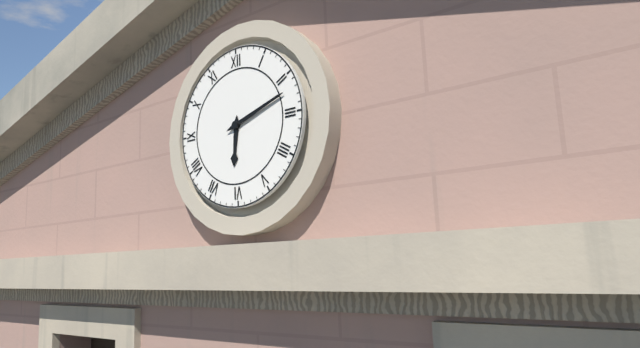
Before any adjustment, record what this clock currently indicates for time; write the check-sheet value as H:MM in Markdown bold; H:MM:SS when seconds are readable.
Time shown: **6:12**
